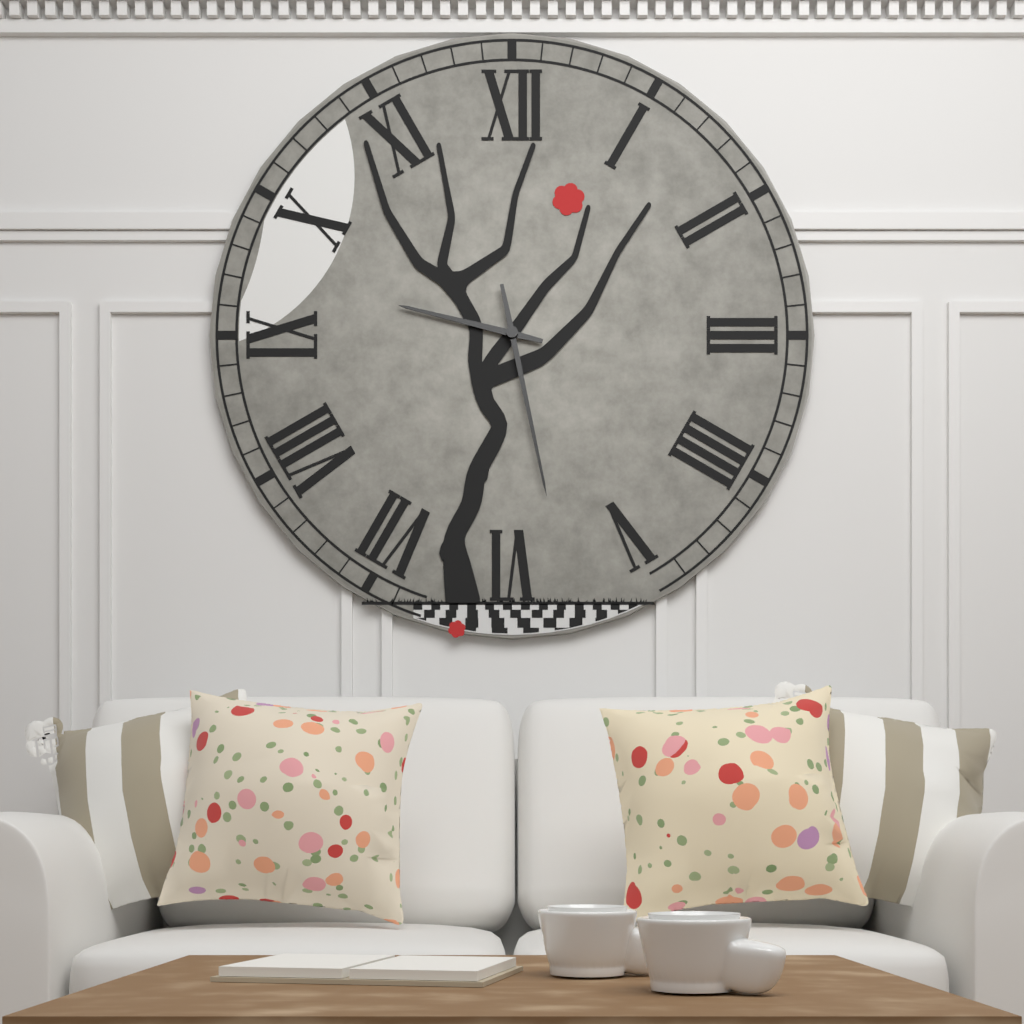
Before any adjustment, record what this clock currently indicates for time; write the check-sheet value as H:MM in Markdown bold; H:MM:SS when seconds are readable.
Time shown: **9:28**
